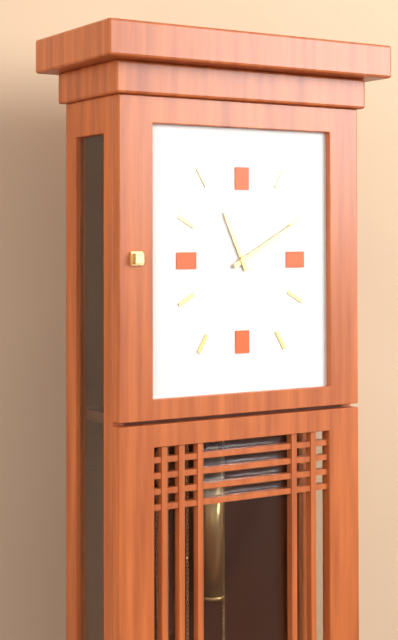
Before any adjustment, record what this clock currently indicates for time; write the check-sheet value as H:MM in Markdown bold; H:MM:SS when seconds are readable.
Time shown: **11:10**
